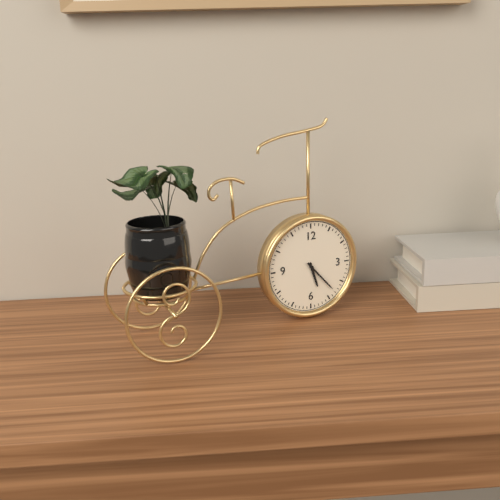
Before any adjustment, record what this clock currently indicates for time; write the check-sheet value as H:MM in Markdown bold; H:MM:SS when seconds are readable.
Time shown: **5:23**
